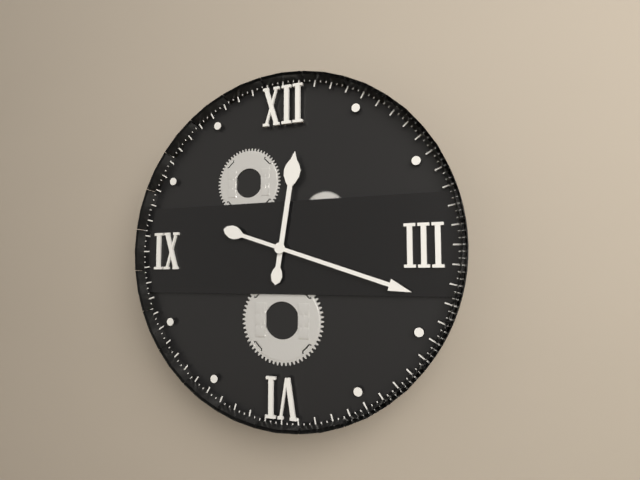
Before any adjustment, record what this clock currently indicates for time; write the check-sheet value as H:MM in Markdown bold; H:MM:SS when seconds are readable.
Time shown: **12:18**
